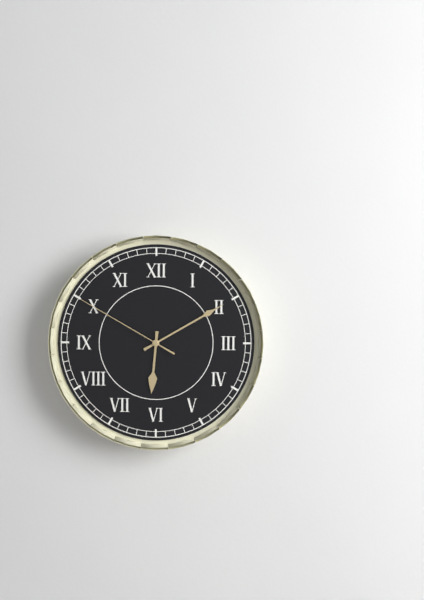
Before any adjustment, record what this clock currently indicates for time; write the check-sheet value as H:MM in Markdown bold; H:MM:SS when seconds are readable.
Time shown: **6:10:50**
